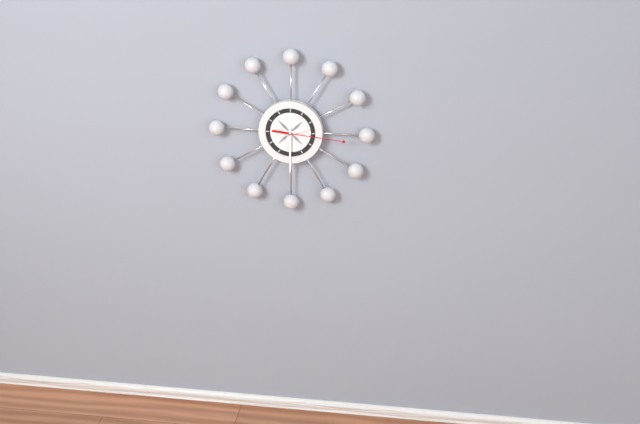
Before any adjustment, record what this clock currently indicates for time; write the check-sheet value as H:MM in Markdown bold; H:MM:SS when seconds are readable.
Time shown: **2:30:16**
